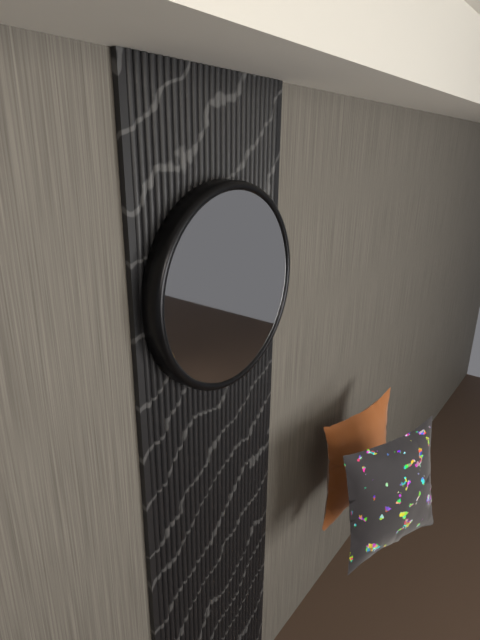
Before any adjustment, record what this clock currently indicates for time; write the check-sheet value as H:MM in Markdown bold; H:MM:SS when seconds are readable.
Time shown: **10:31**
